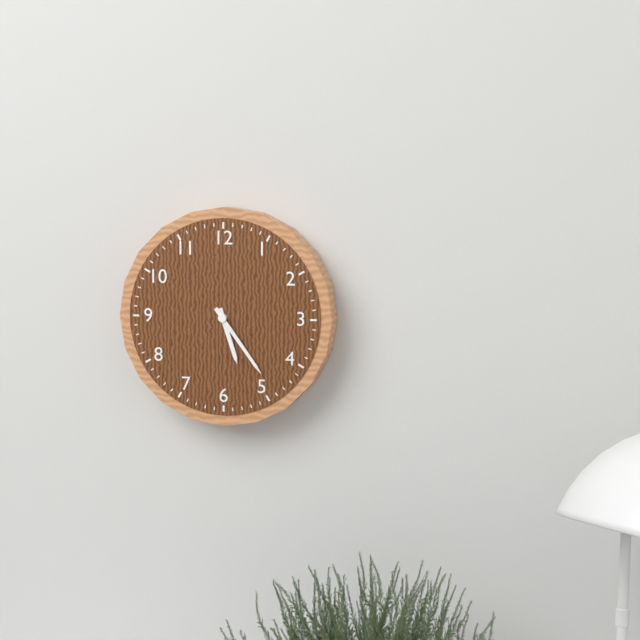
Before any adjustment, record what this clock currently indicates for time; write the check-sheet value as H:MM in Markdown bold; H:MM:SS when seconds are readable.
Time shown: **5:24**
